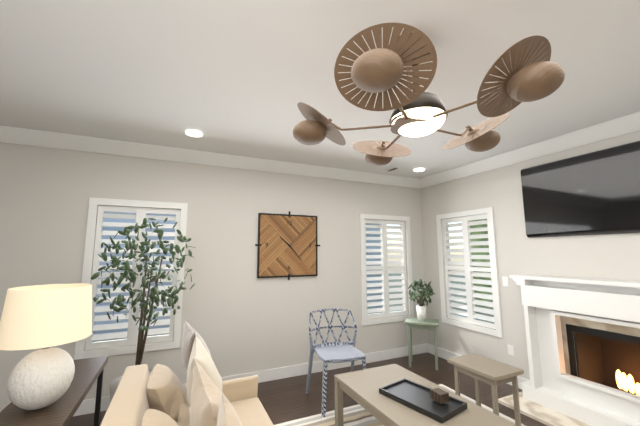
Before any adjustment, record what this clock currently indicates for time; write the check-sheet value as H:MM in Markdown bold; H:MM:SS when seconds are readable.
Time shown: **10:23**
